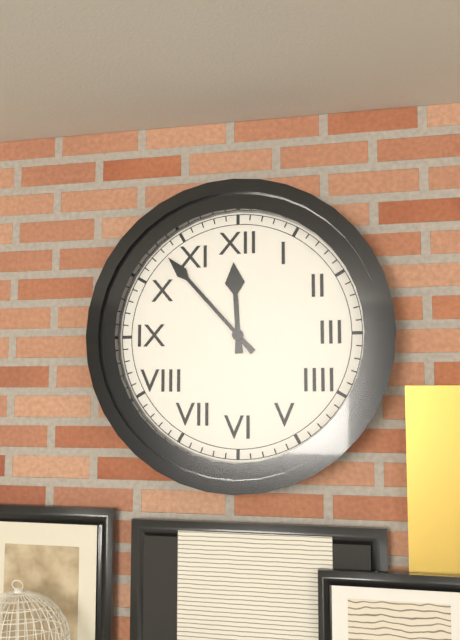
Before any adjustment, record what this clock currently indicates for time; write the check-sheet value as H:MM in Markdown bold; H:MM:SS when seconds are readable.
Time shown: **11:53**
